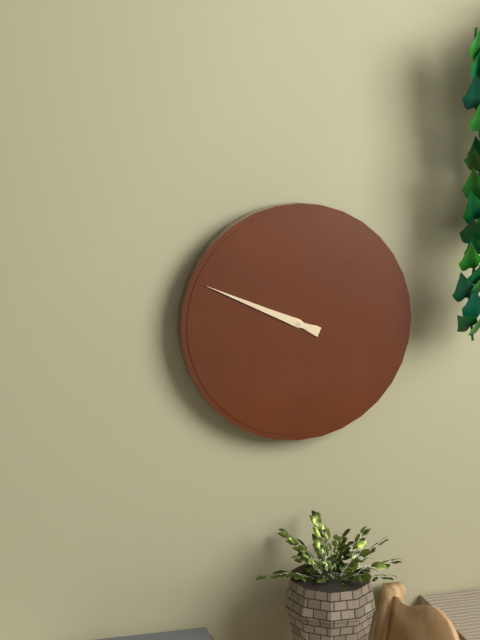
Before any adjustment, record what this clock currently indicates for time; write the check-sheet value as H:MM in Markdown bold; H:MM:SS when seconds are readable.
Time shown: **9:49**
